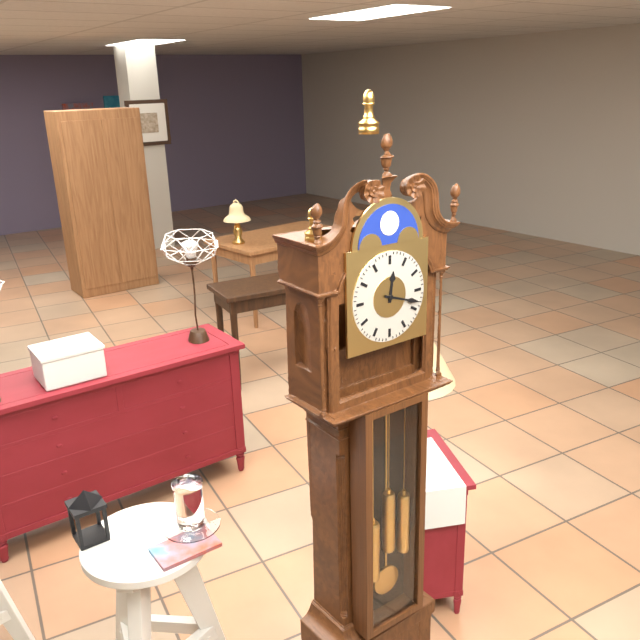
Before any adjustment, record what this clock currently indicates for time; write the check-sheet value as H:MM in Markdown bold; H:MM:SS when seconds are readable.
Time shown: **12:18**
